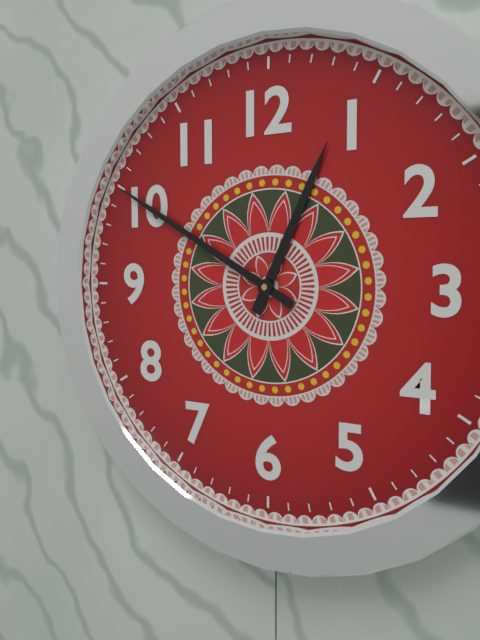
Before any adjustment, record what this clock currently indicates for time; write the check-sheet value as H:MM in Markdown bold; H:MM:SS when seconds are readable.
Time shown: **12:50**
